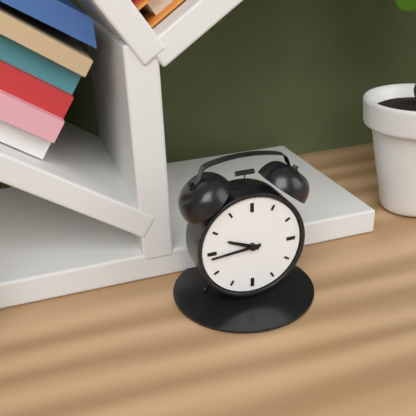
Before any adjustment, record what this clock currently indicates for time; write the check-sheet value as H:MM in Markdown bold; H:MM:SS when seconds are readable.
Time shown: **9:44**
